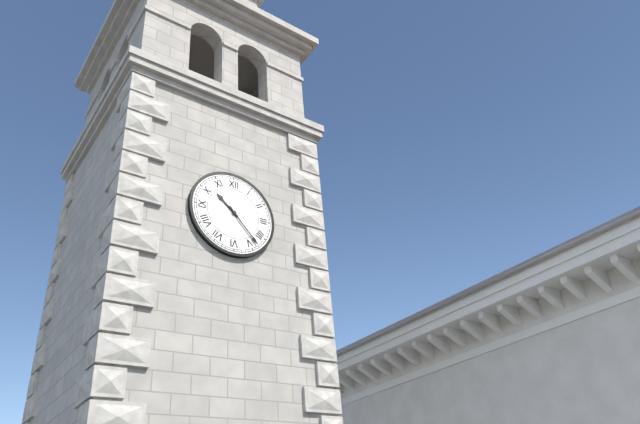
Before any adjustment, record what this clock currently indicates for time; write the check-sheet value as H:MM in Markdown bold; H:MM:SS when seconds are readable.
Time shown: **10:23**
